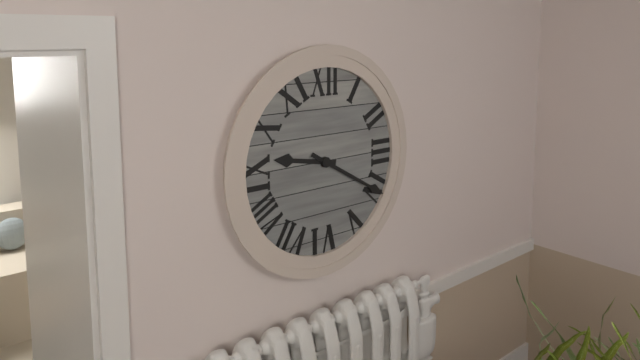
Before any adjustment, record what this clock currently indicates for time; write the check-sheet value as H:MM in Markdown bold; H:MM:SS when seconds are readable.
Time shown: **9:20**
